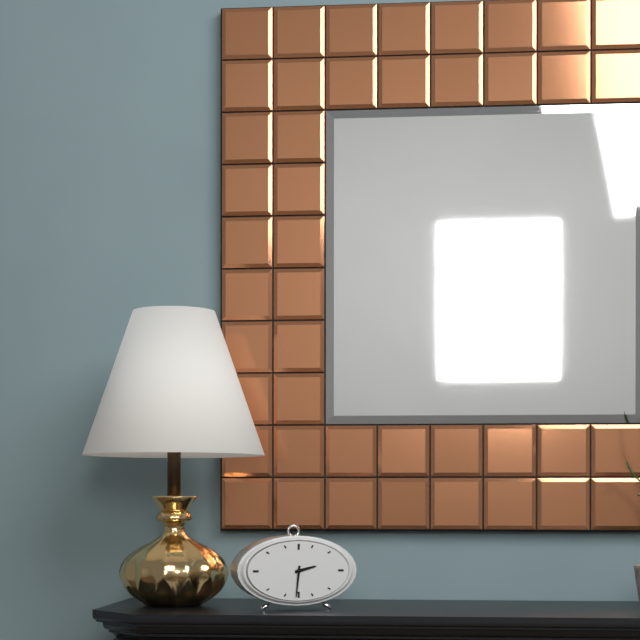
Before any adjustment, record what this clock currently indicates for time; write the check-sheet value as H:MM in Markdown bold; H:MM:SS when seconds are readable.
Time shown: **2:31**
